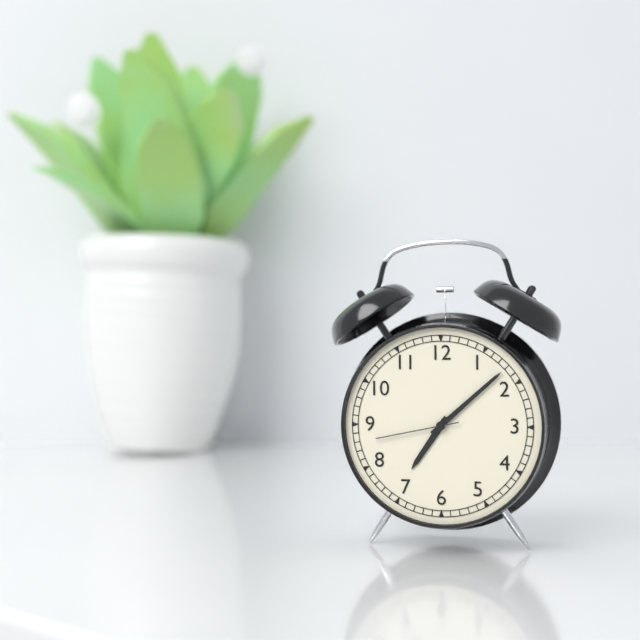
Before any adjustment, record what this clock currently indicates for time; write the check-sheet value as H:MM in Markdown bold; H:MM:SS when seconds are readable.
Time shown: **7:08:43**
